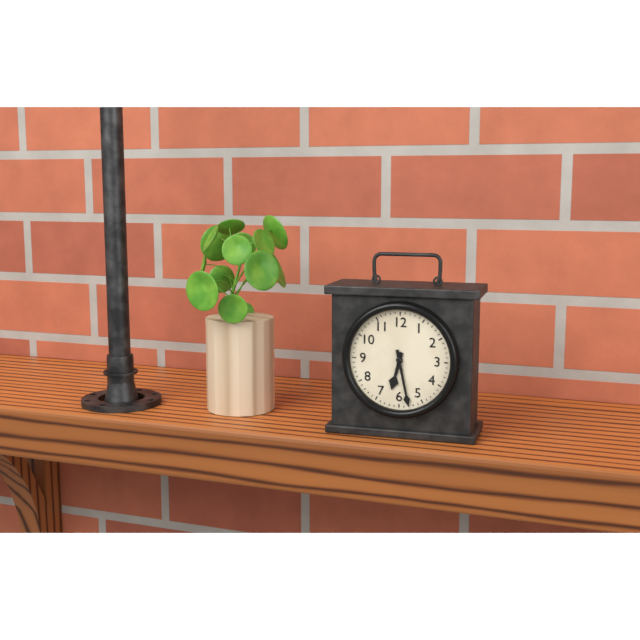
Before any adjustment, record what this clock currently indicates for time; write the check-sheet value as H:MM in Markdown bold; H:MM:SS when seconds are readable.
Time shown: **6:28**
